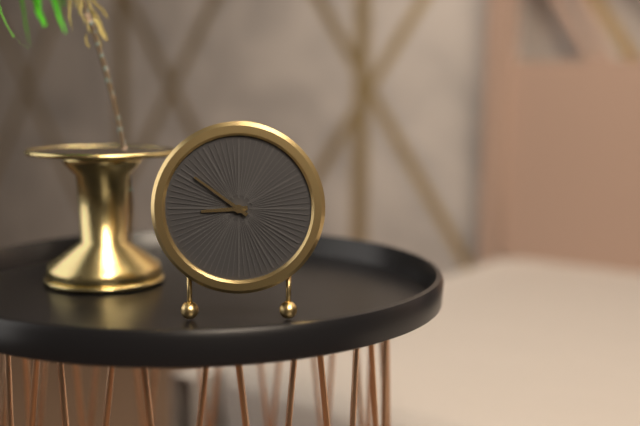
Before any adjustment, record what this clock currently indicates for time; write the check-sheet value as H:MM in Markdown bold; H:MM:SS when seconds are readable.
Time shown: **8:51**
